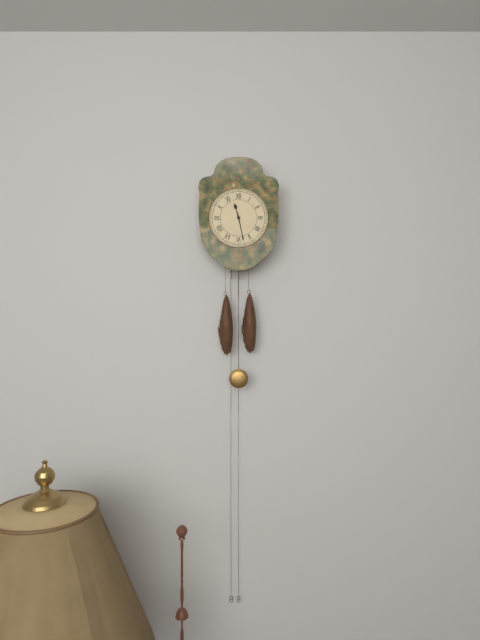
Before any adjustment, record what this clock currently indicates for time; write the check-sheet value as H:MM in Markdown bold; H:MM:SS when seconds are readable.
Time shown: **11:28**
